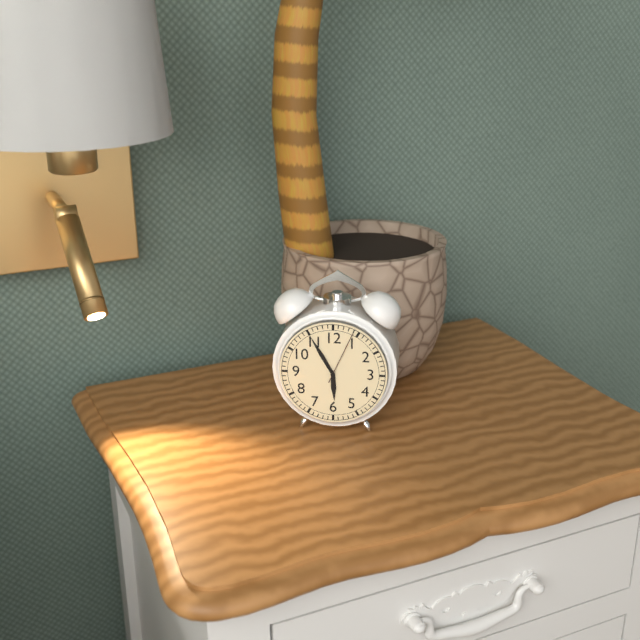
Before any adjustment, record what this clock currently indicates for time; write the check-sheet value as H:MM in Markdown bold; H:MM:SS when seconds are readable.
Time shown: **5:55:04**
